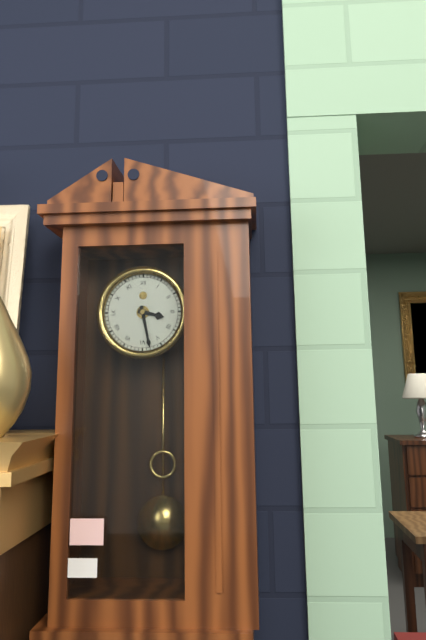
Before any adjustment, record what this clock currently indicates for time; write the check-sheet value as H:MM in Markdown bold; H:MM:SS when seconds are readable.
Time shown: **3:28**
